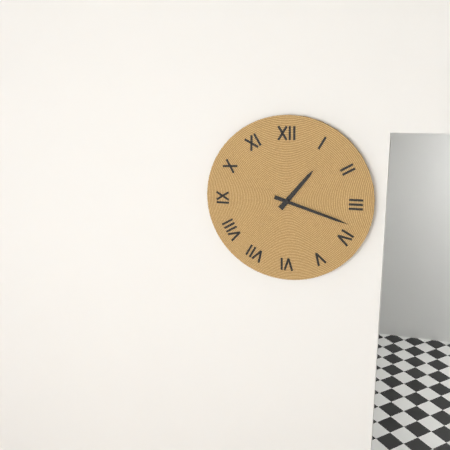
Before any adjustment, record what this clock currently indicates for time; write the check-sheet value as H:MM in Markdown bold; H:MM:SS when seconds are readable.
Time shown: **1:18**
